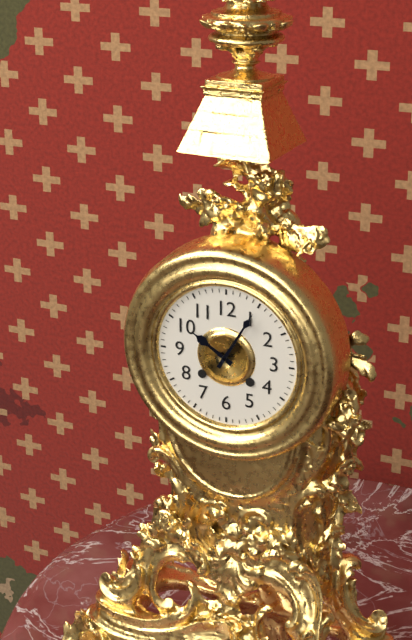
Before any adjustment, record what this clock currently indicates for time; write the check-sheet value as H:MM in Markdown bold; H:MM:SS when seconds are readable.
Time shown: **10:05**
